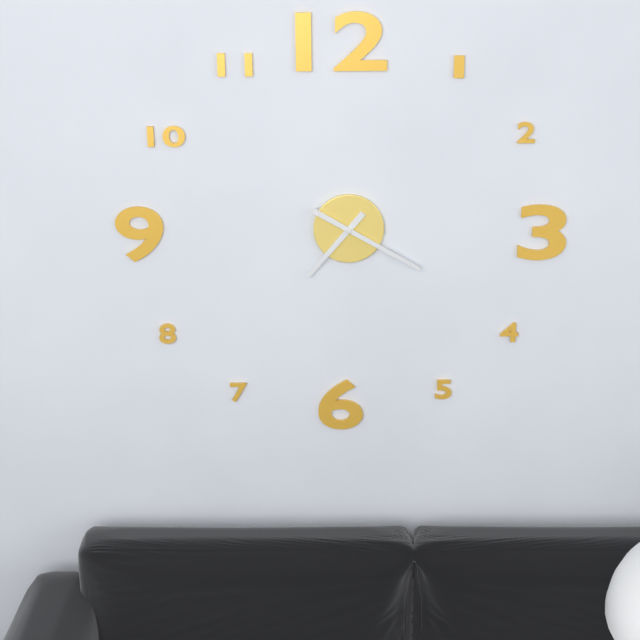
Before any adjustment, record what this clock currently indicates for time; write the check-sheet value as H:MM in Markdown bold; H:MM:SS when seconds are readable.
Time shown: **7:20**
